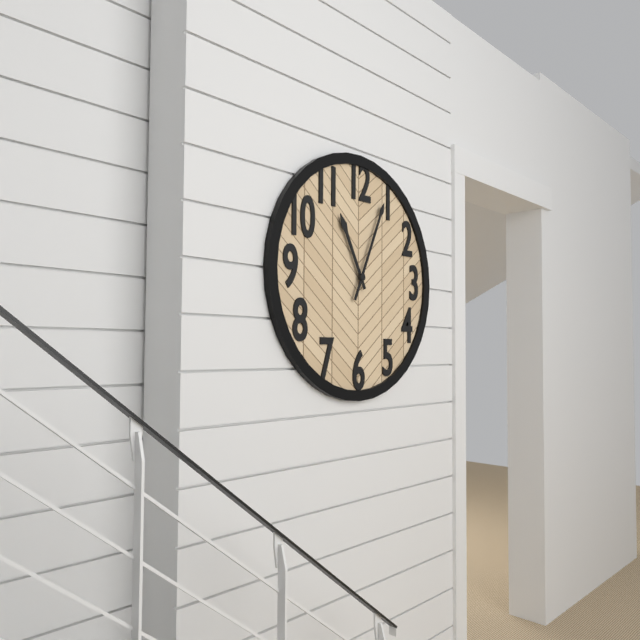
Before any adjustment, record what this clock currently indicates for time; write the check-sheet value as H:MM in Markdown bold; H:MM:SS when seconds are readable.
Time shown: **11:04**
